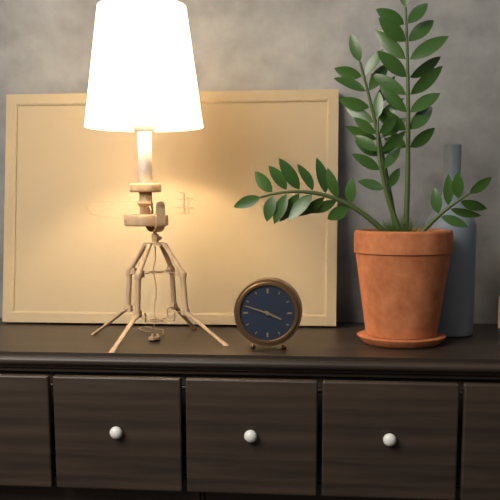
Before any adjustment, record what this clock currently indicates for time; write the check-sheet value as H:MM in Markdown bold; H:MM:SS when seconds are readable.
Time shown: **3:48**
